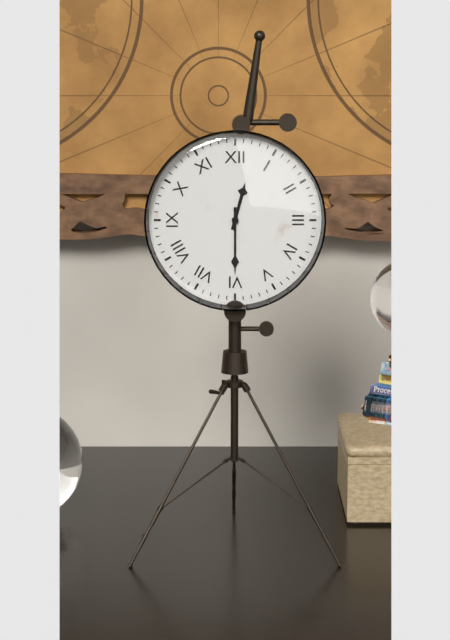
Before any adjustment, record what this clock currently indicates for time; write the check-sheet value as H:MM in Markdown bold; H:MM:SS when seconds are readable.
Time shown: **12:30**
